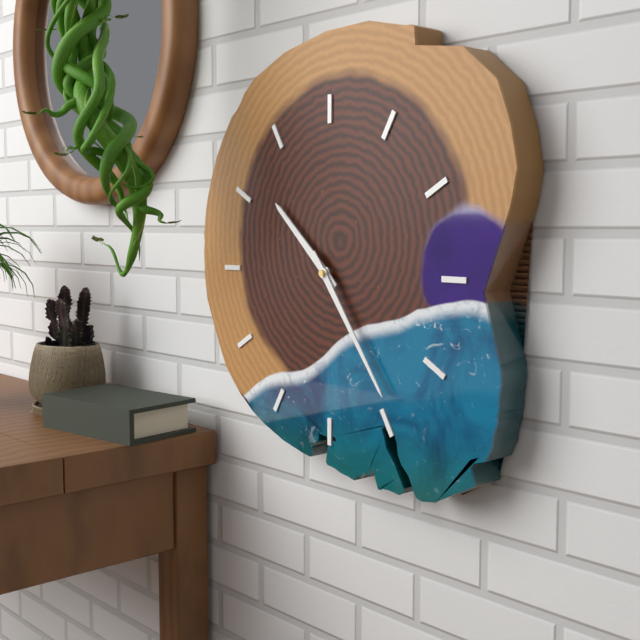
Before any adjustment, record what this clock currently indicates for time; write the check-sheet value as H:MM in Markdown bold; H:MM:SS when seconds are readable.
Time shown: **10:24**
